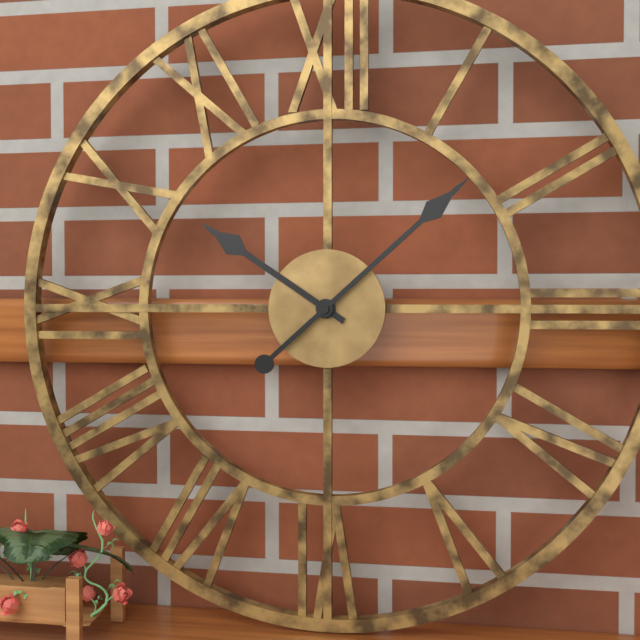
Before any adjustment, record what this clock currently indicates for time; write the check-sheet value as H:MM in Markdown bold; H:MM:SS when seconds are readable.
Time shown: **10:08**
